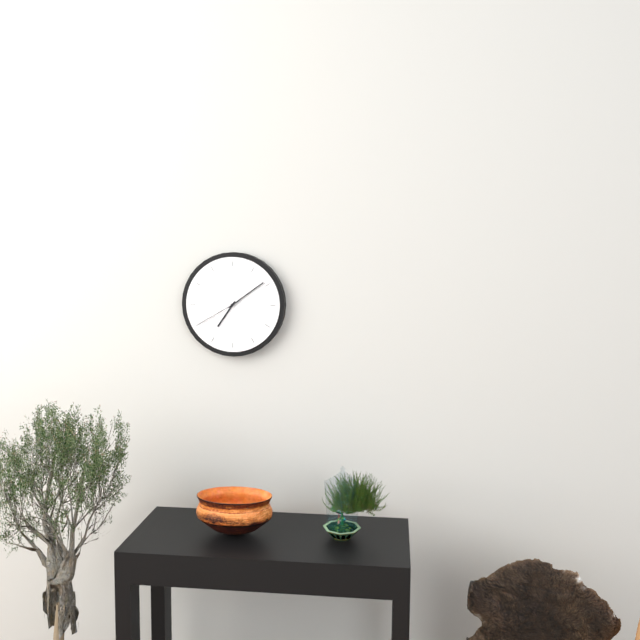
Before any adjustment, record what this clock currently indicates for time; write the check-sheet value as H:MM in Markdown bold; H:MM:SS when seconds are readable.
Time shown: **7:09**
